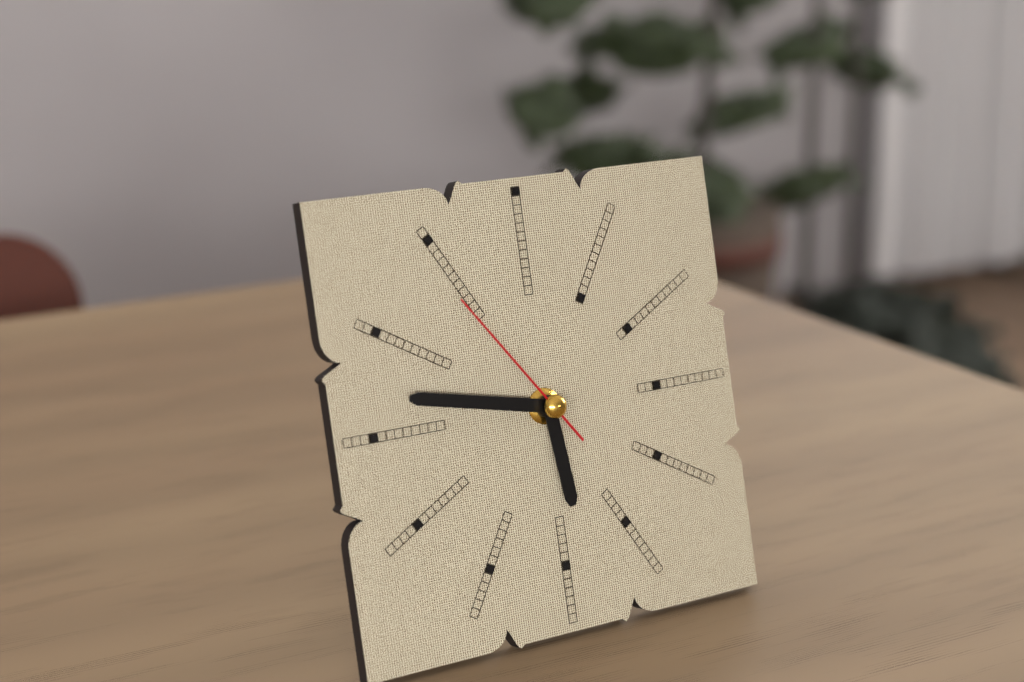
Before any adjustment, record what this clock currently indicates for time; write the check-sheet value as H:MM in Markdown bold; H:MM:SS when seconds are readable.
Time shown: **5:47:54**
